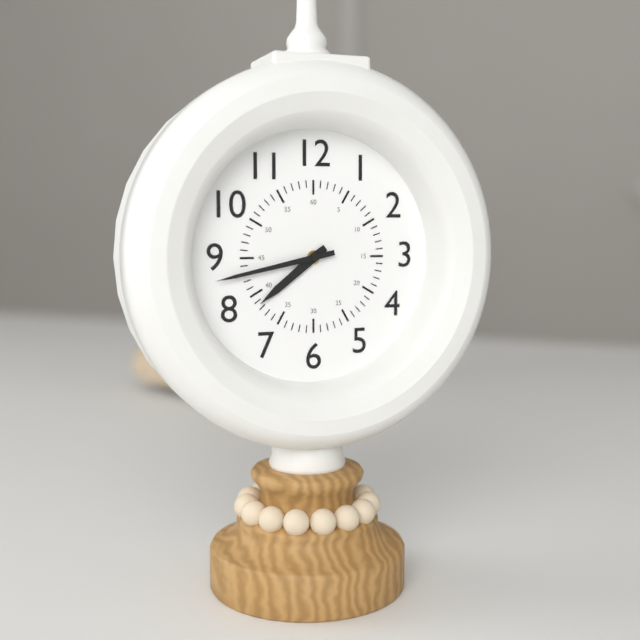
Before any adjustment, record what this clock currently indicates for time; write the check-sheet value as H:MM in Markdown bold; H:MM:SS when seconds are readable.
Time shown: **7:43**
